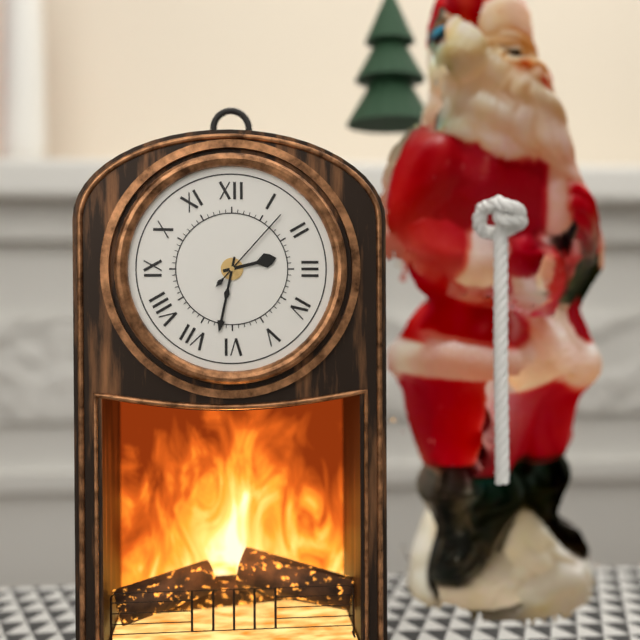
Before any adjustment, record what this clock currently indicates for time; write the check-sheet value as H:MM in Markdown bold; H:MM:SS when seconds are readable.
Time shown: **2:32:07**
